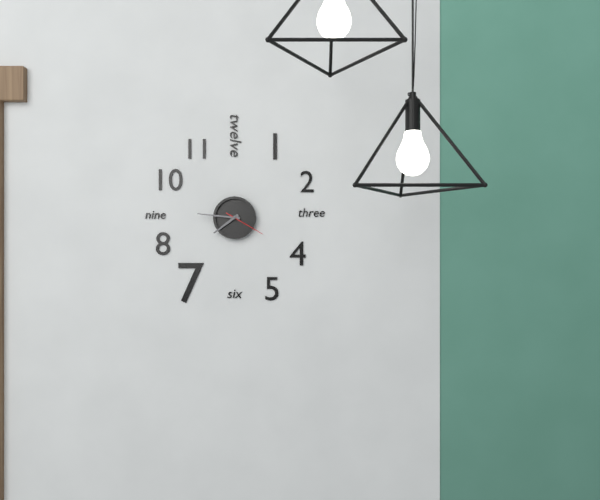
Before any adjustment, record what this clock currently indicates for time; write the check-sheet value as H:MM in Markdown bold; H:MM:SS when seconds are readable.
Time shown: **7:46**
